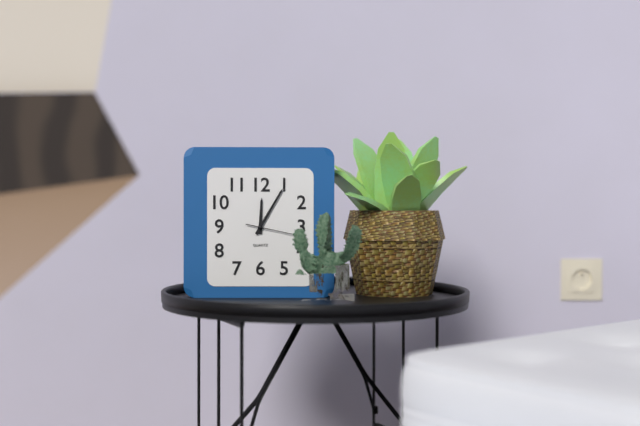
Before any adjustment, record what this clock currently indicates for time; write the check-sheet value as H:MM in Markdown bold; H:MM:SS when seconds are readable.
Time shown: **12:05:17**
